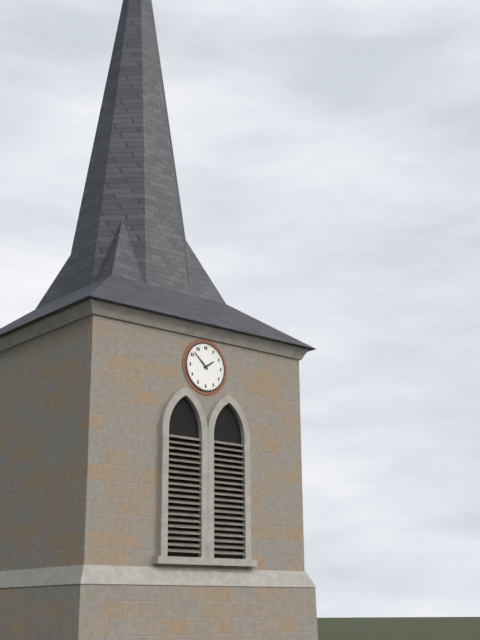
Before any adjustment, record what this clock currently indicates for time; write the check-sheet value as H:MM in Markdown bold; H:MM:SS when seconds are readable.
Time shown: **1:52**
